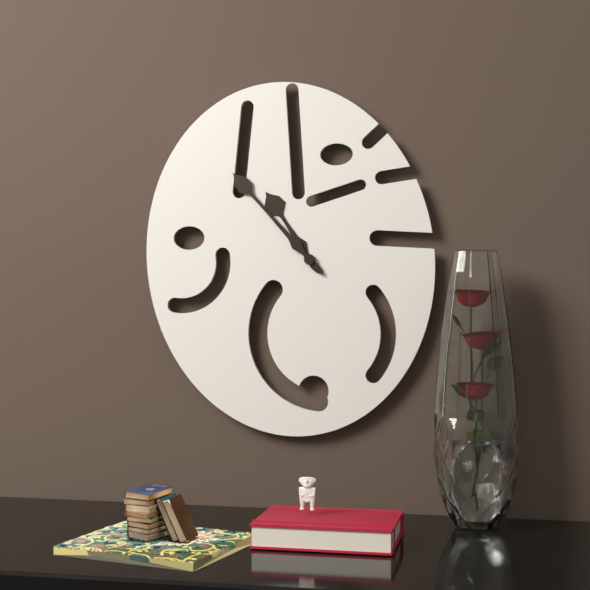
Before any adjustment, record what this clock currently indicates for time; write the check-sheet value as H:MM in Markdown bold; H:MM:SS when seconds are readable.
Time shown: **10:53**
